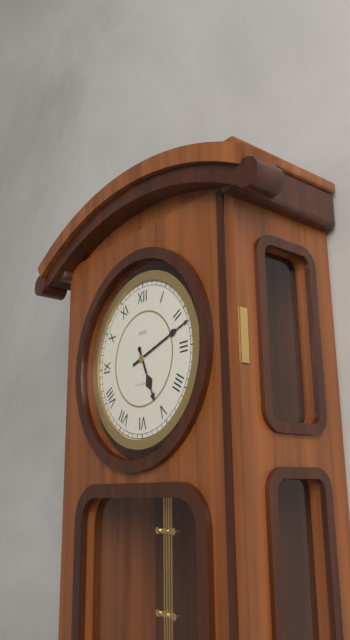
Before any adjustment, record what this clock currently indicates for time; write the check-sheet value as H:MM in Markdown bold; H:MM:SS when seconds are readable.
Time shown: **5:12**
